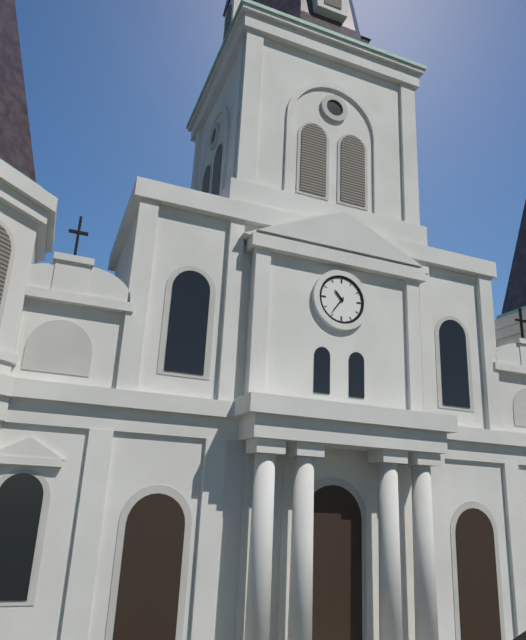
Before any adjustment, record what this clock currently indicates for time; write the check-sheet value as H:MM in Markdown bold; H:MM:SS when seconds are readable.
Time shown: **10:36**
